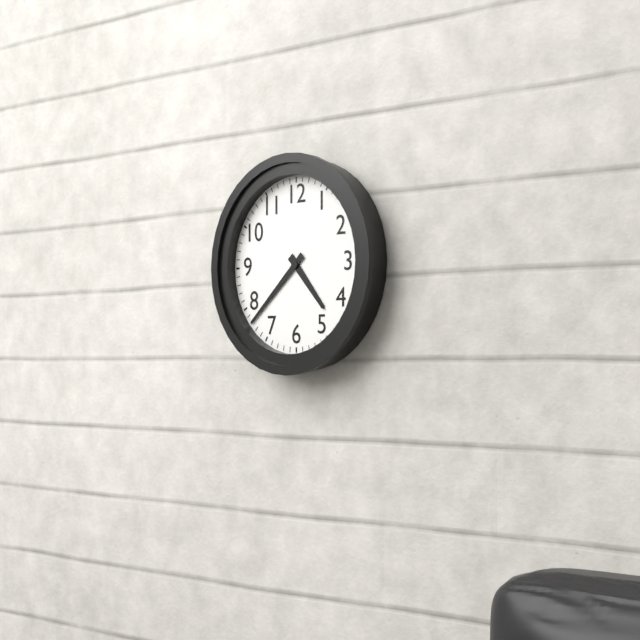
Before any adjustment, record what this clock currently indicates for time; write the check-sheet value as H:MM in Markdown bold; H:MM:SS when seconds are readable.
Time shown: **4:38**
